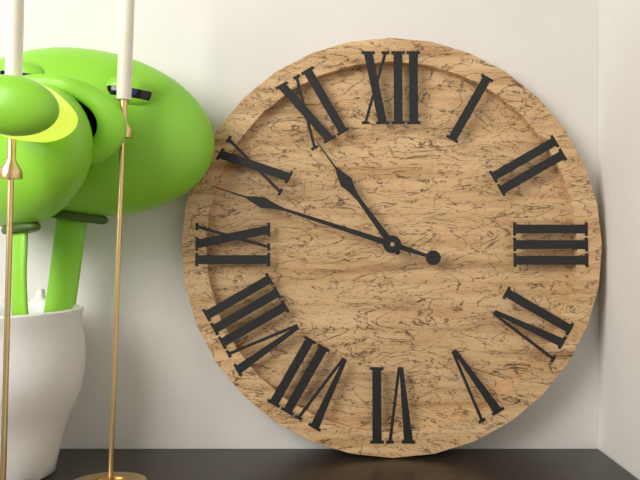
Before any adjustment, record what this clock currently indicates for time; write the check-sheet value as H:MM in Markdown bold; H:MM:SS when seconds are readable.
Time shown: **10:48**
